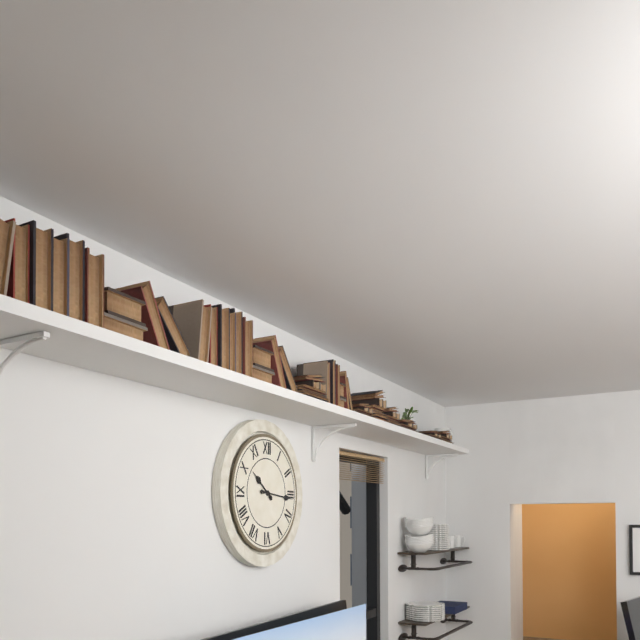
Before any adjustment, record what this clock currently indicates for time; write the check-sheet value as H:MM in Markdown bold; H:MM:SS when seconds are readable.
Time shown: **10:16**
